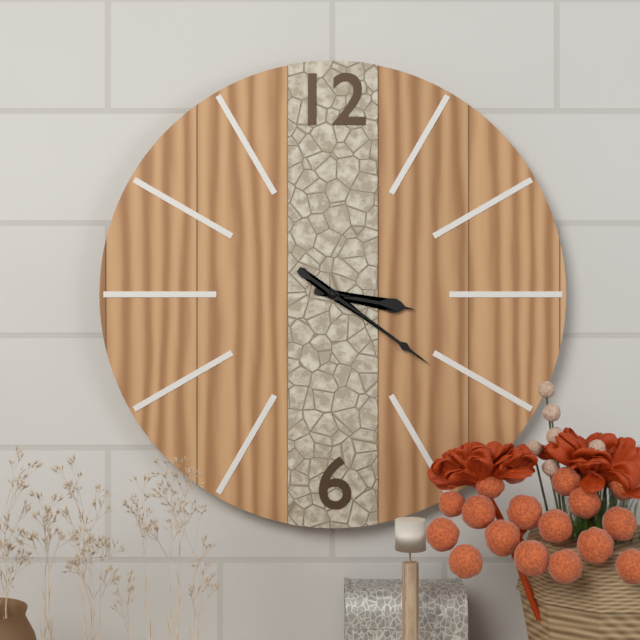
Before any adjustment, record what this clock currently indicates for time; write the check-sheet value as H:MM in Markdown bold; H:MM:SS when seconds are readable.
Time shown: **3:21**
